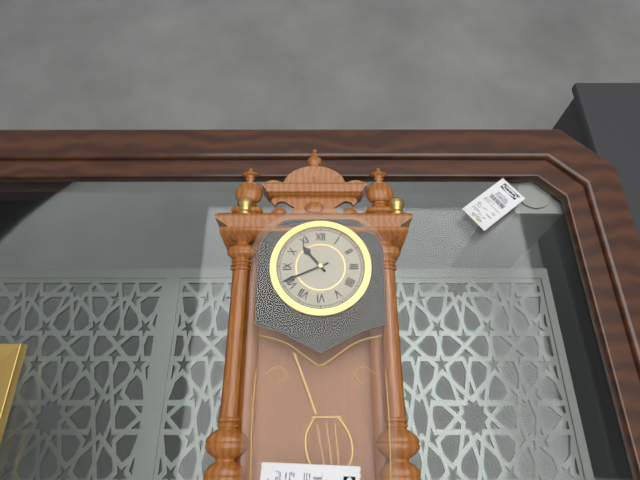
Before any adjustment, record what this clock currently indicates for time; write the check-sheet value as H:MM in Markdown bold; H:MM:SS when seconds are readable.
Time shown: **10:41**
